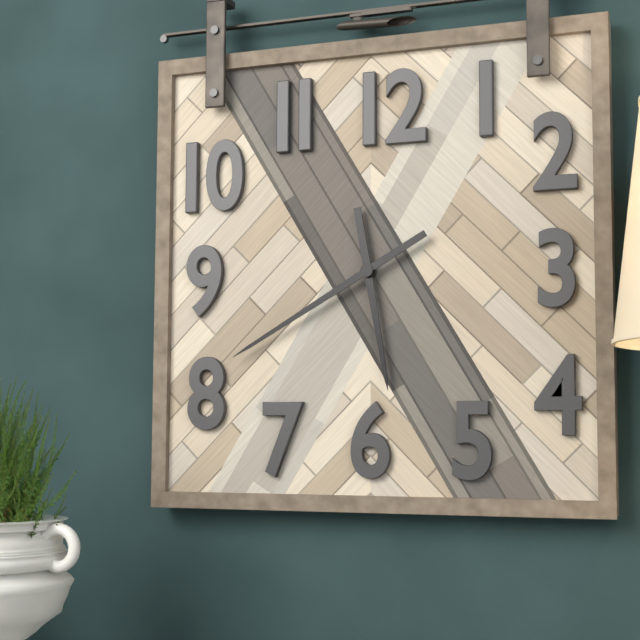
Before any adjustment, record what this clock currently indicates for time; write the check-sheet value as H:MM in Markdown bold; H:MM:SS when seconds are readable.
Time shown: **5:40**
